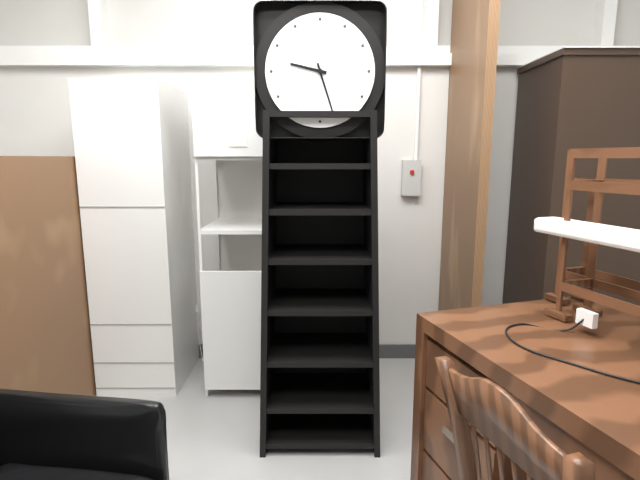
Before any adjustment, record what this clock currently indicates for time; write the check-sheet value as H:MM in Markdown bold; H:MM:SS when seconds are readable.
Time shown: **9:27**
